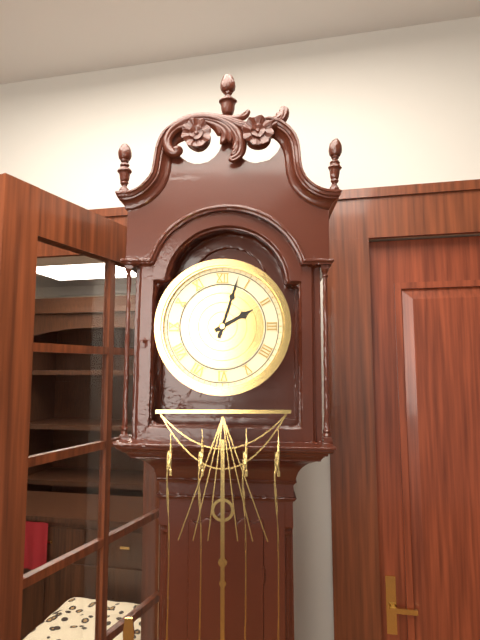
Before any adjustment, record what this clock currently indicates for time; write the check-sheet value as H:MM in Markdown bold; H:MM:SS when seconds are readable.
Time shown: **2:03**
